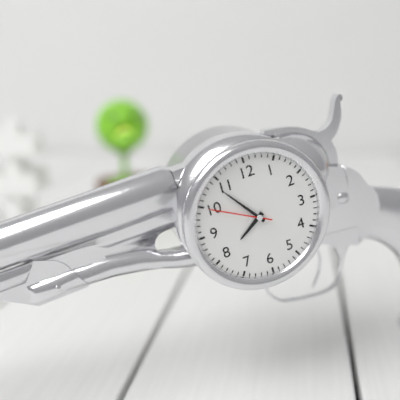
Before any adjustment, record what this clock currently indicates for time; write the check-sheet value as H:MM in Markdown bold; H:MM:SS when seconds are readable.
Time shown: **7:54:50**
